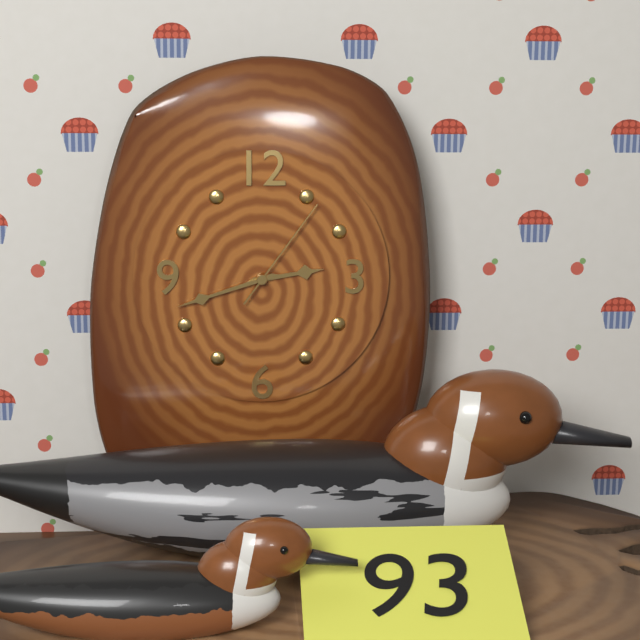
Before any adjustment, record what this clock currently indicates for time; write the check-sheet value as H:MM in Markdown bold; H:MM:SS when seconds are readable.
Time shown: **2:42:06**
